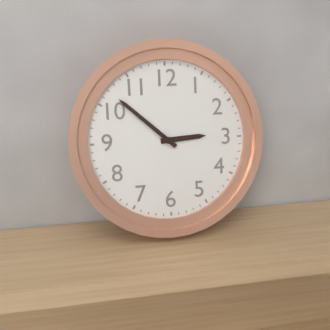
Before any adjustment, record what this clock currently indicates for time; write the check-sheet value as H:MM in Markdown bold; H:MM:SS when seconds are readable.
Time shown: **2:52**
